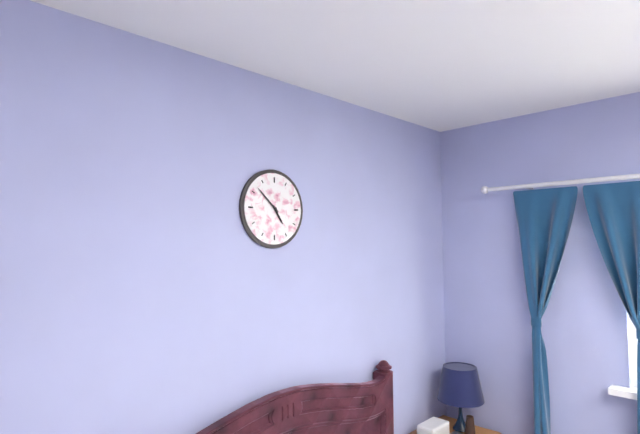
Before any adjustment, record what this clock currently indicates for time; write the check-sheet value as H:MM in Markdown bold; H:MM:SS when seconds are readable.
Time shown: **4:52**
